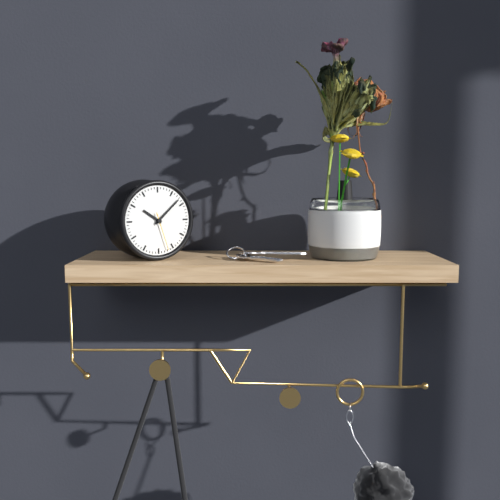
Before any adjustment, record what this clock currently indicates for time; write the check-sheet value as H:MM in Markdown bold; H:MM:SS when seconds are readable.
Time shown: **10:08**
